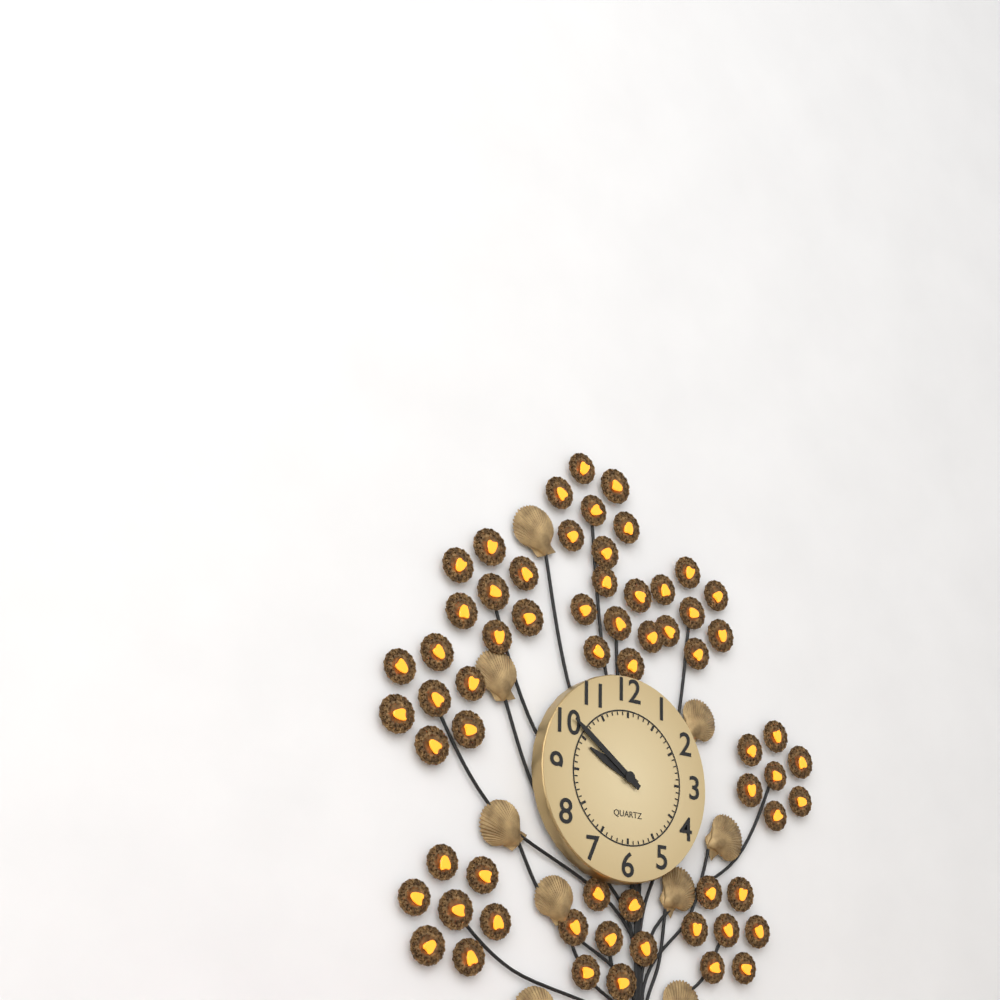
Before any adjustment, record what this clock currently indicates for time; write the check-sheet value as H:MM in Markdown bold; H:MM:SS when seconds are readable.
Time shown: **9:51**
